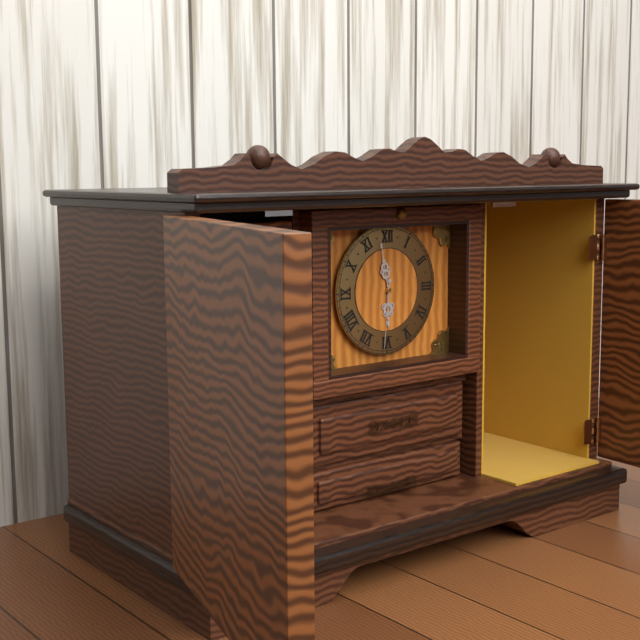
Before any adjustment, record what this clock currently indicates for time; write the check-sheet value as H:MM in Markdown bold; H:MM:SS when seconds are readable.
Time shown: **5:58:31**
